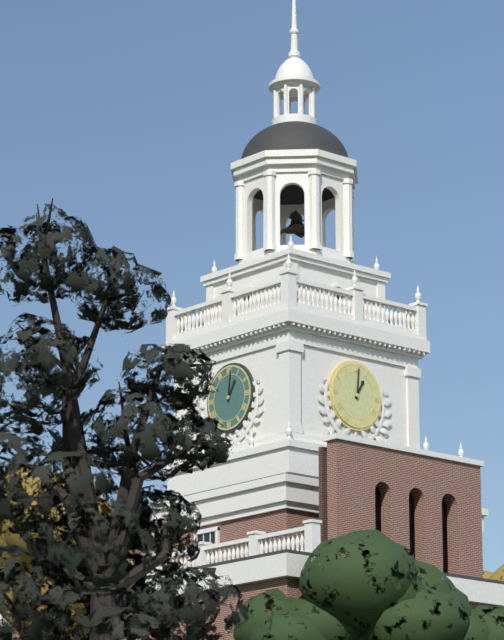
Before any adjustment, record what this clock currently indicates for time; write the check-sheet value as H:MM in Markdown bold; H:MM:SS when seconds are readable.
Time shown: **1:01**
